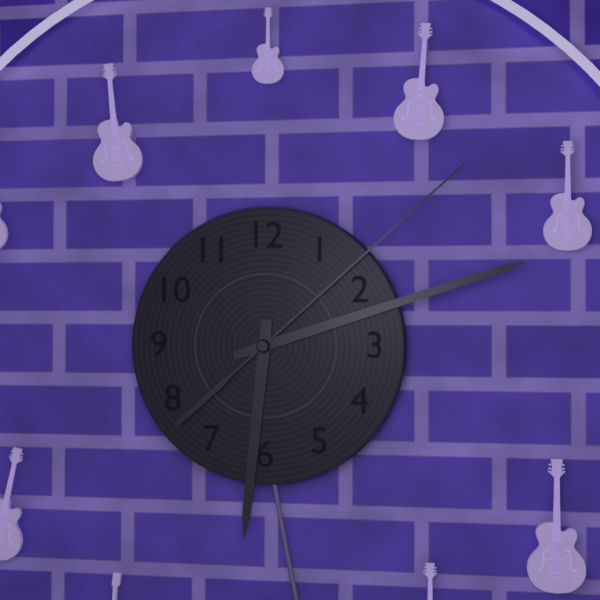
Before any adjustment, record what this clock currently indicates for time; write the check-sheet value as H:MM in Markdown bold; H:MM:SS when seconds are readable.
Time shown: **6:12:08**
